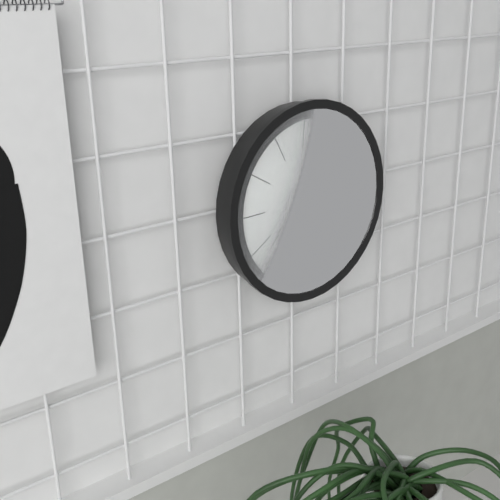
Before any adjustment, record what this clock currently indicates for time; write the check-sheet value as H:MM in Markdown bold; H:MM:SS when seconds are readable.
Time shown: **7:33**
